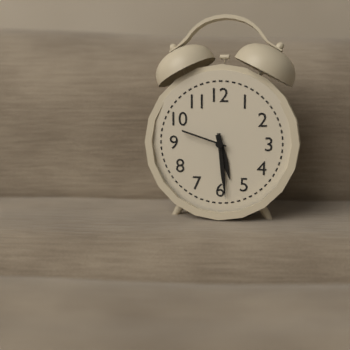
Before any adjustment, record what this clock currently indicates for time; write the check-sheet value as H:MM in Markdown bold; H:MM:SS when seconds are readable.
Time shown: **5:29:48**
